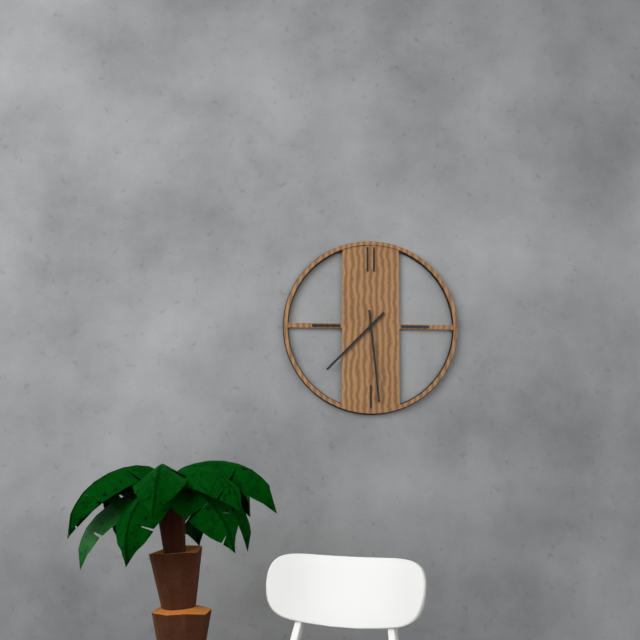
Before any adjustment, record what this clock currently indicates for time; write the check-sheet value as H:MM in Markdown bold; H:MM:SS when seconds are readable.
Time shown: **7:29**
